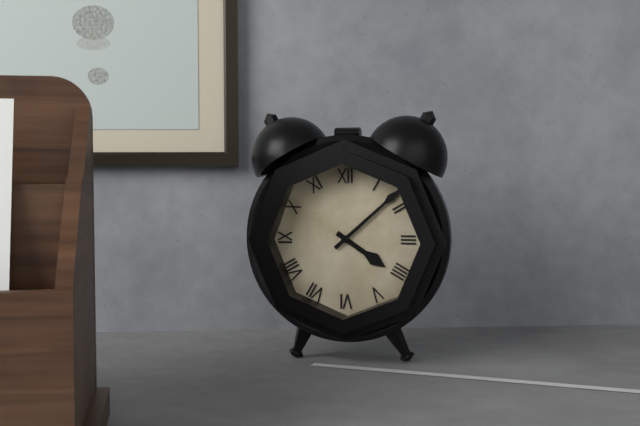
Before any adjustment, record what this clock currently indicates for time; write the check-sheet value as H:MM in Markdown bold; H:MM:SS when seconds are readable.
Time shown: **4:08**
